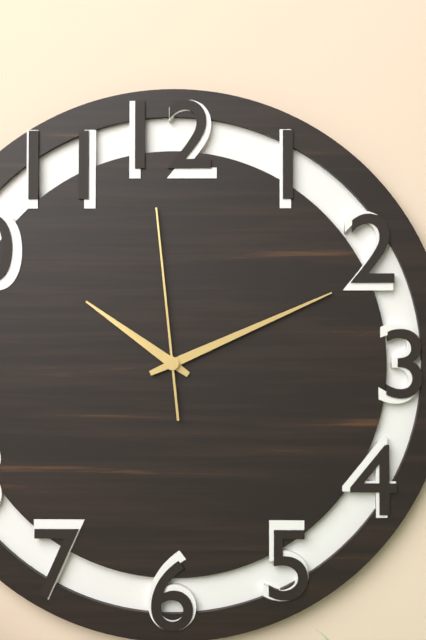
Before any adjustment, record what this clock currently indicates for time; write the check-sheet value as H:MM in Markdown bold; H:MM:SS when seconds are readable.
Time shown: **10:11:59**
